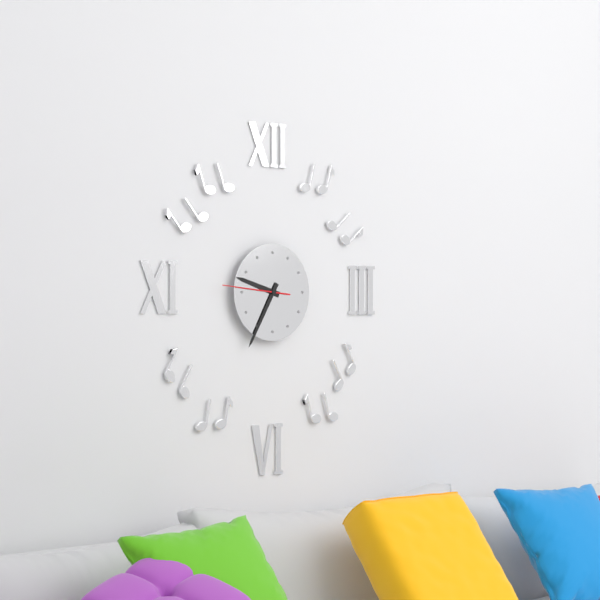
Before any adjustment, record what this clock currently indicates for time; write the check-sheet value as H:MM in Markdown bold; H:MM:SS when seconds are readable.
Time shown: **9:35:46**
